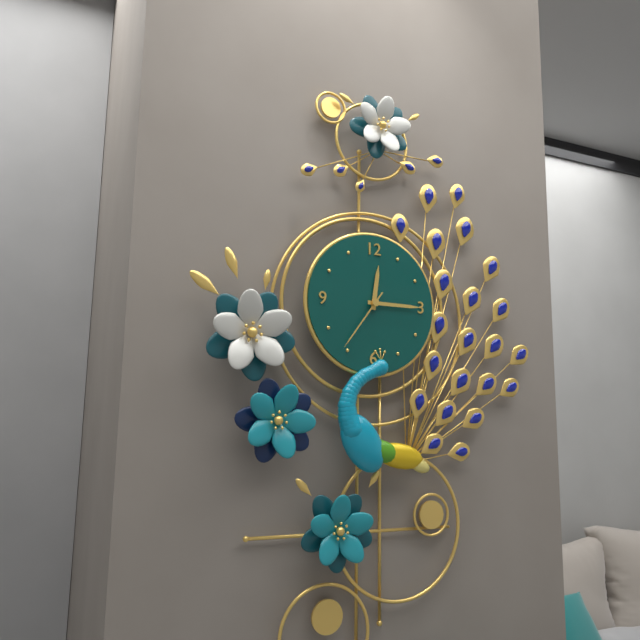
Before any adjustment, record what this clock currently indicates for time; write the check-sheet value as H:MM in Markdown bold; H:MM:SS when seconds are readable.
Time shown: **12:15:36**
